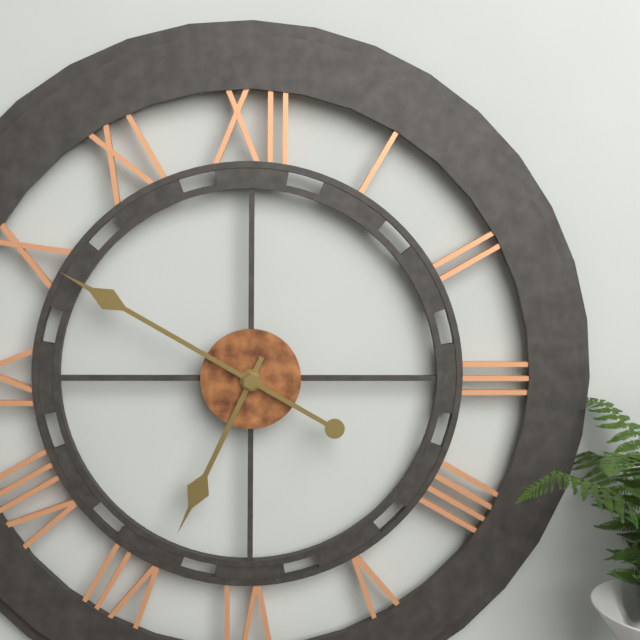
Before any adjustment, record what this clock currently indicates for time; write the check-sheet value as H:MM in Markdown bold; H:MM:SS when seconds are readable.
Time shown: **6:50**
